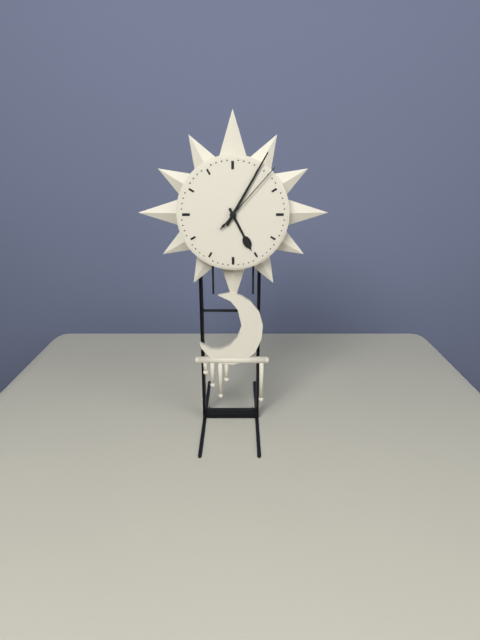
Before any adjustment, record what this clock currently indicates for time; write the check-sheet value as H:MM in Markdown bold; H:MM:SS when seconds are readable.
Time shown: **5:05:07**
